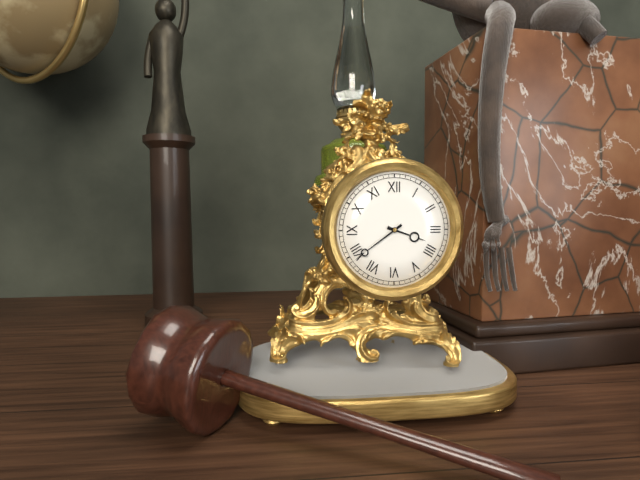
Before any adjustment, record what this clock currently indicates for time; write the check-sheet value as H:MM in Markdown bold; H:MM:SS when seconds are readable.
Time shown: **3:39**
